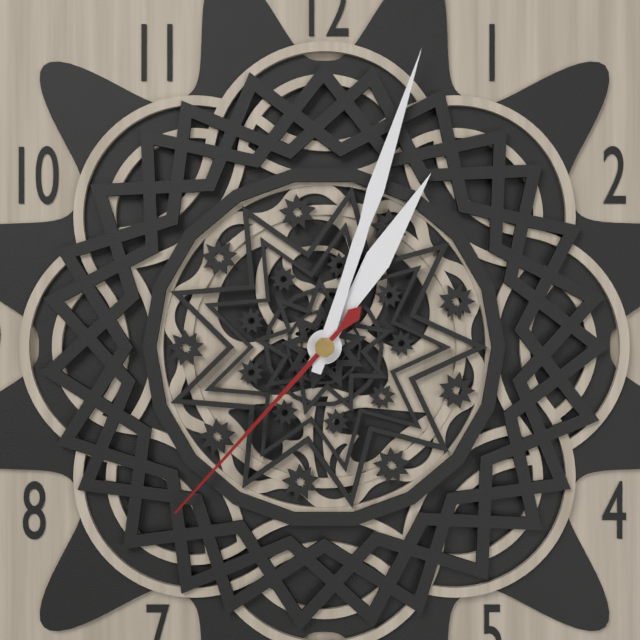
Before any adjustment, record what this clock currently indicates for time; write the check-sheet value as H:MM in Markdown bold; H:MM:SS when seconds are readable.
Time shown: **1:03:37**
